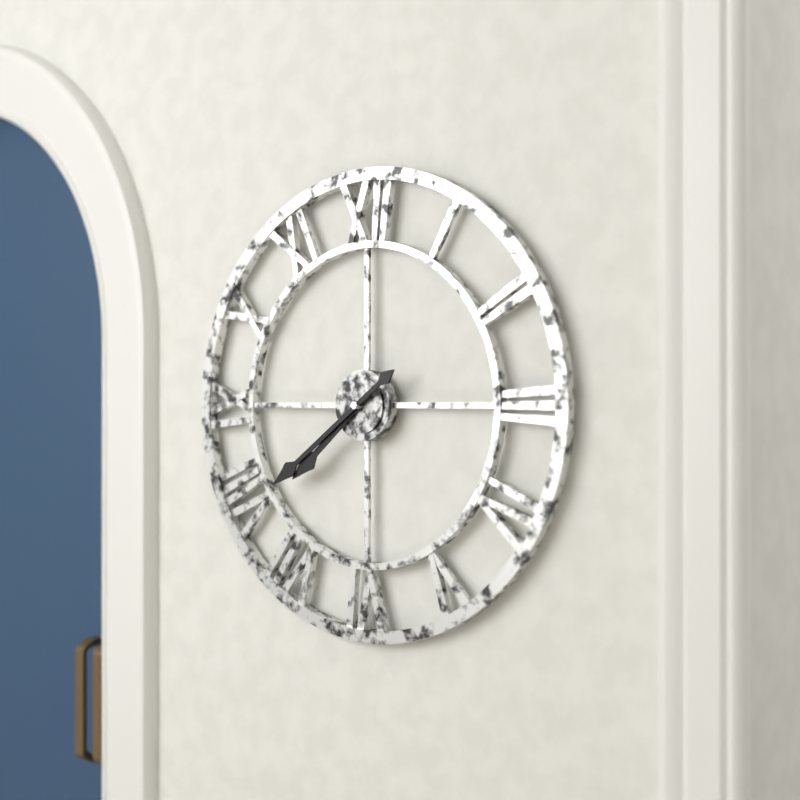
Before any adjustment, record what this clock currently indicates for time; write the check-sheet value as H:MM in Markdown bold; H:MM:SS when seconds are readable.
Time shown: **7:39**
